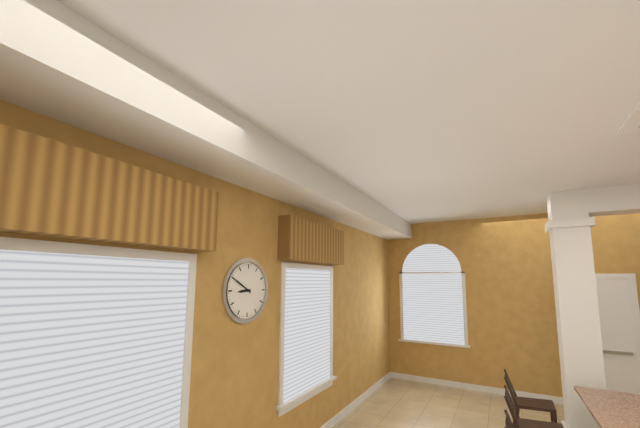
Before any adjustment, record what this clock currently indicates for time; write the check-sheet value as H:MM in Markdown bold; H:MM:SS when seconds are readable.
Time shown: **8:50**
